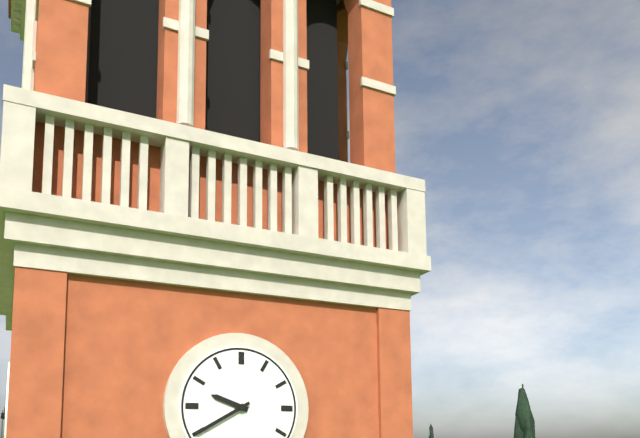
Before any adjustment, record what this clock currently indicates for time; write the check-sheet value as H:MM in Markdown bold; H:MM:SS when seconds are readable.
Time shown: **9:40**
